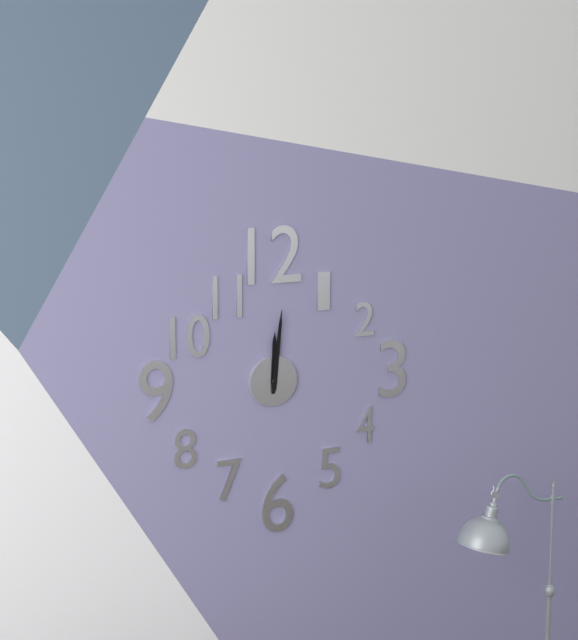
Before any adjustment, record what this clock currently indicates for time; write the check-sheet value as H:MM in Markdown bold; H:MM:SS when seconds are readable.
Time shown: **12:01**
